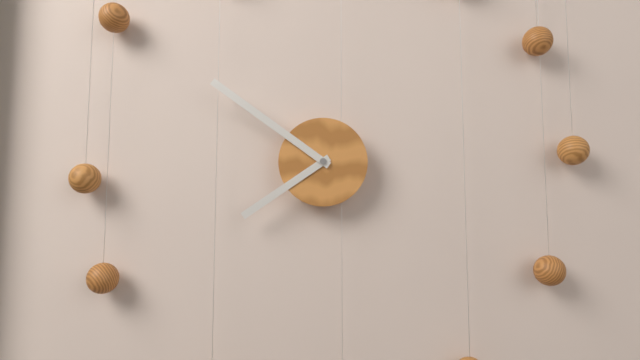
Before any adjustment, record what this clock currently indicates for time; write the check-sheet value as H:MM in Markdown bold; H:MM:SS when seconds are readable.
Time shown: **7:51**
